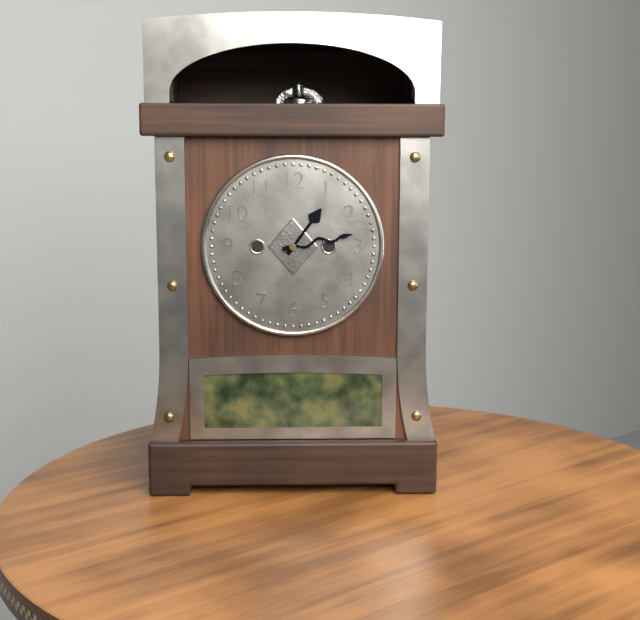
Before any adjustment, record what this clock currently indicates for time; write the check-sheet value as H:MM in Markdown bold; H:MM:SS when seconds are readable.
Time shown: **1:13**
